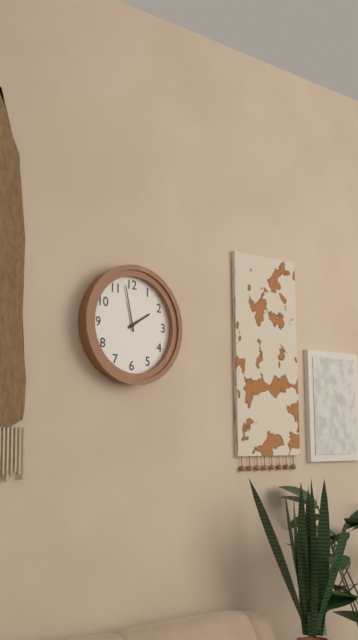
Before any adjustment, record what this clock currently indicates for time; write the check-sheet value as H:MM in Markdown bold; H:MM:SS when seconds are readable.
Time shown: **1:58**
